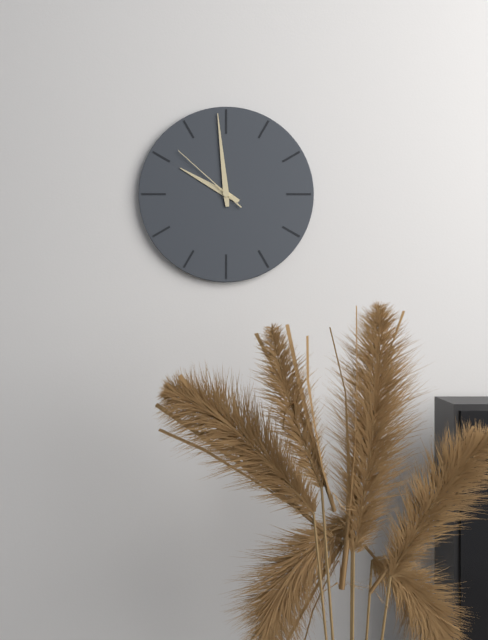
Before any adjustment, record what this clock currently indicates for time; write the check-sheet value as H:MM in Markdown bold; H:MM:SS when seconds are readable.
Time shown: **9:59:52**
